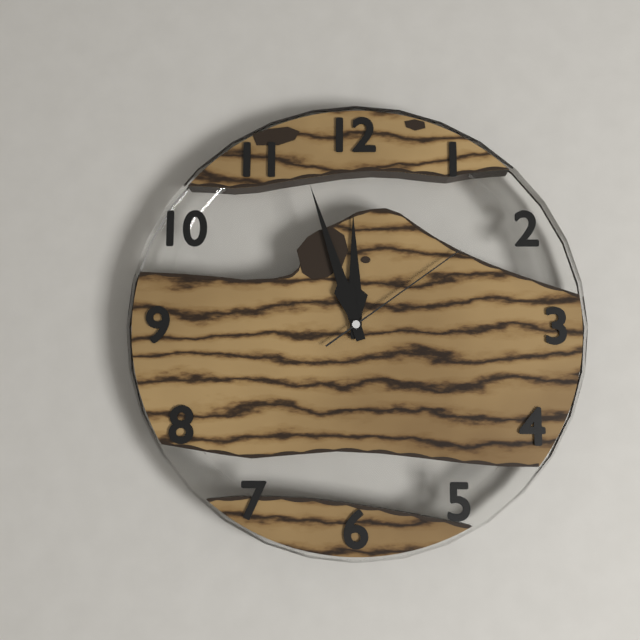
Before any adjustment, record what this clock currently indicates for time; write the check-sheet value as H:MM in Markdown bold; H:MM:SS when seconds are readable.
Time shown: **11:57:09**
